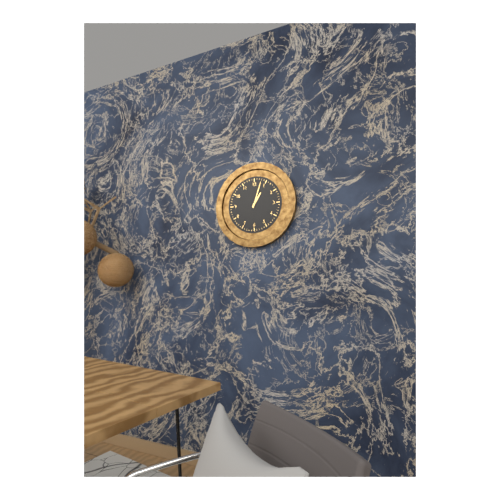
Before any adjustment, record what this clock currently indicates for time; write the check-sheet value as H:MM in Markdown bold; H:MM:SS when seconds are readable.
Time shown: **1:03**
